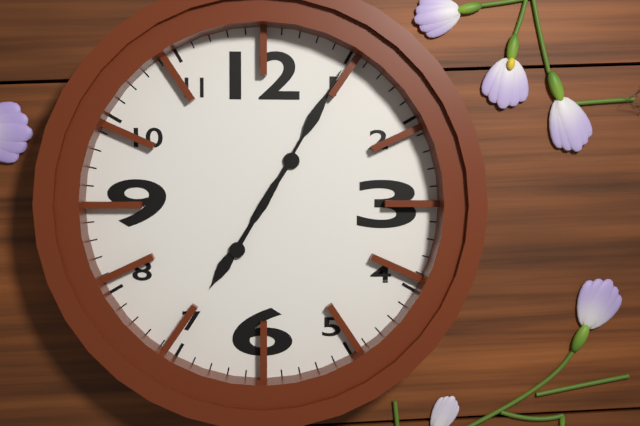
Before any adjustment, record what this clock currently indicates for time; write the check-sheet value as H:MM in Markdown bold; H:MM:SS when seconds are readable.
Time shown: **7:05**
